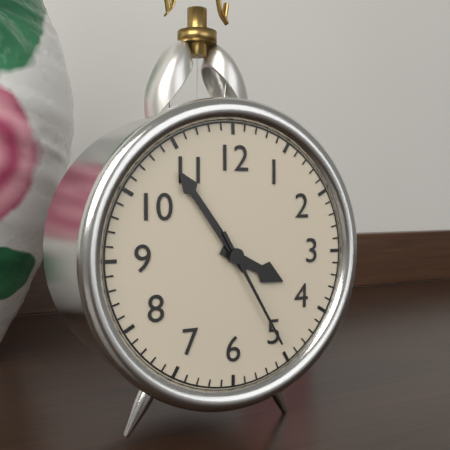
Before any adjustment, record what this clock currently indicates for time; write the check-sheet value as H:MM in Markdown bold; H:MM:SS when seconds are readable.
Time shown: **3:54:25**
